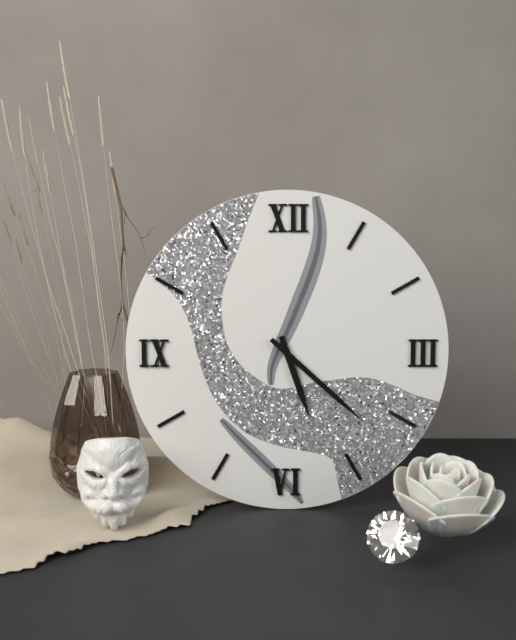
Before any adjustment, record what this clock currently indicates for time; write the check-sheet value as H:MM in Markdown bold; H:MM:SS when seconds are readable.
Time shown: **5:22**
